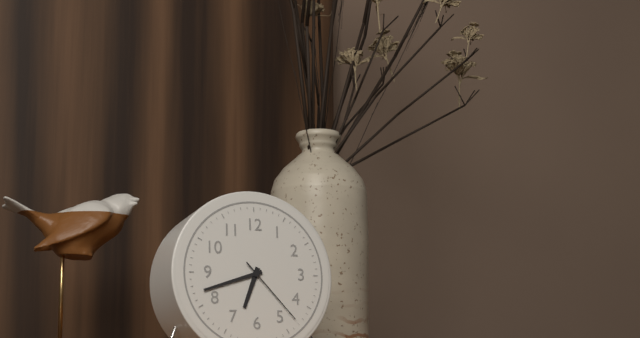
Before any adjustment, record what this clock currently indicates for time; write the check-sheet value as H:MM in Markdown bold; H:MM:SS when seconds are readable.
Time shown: **6:42:23**
